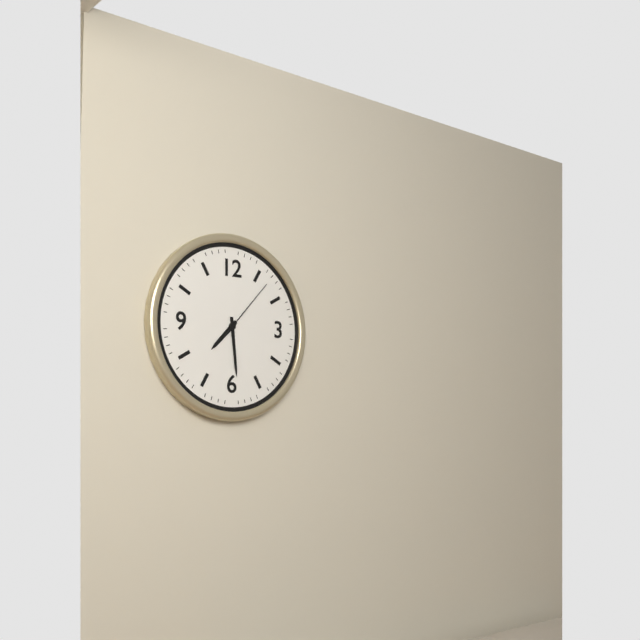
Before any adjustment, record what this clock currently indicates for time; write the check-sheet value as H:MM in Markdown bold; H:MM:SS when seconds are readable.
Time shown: **7:29:07**
